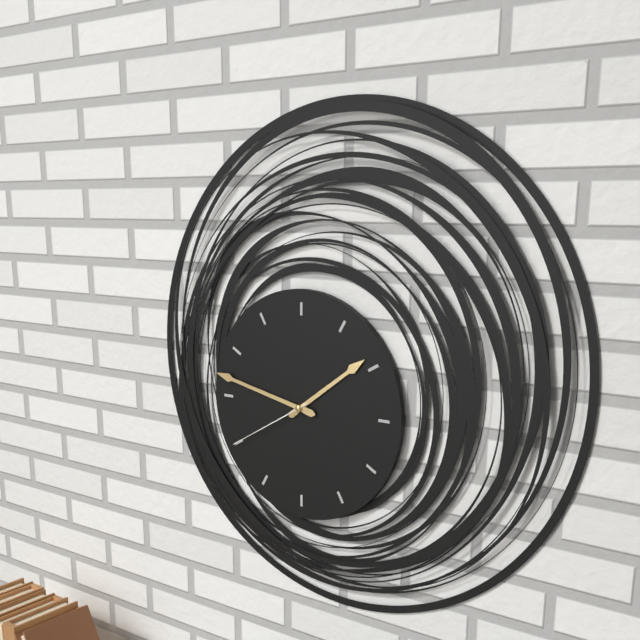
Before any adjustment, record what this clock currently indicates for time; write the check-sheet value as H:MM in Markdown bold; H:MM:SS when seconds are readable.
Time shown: **1:47:40**
